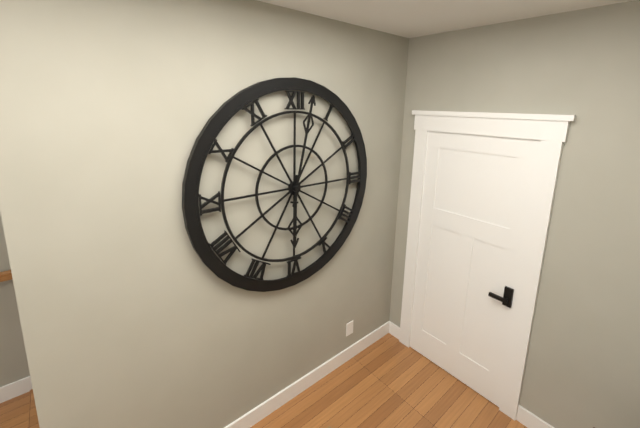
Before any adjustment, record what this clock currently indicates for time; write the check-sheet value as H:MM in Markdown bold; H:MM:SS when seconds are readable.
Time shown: **6:02**
